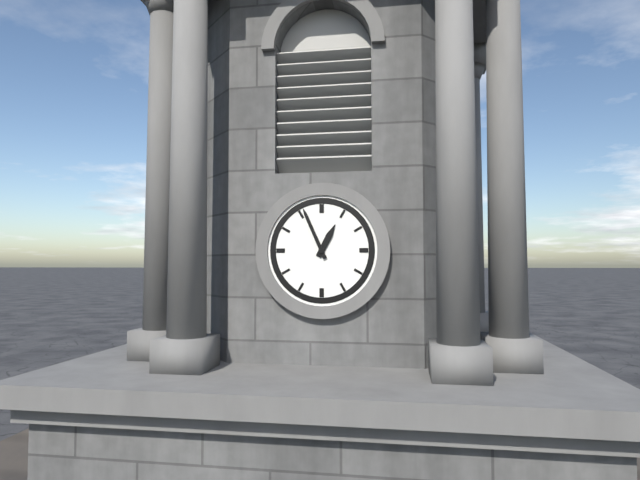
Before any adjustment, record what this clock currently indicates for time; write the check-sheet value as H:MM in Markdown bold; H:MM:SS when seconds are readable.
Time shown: **12:56**
